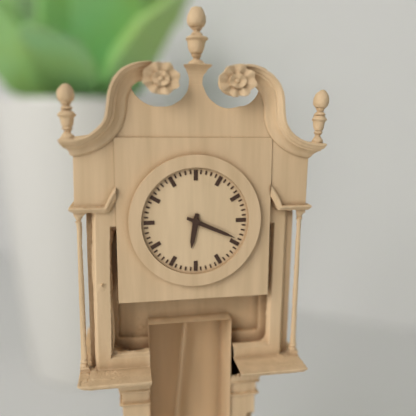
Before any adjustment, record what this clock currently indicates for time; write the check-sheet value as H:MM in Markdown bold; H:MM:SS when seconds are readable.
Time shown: **6:19**
